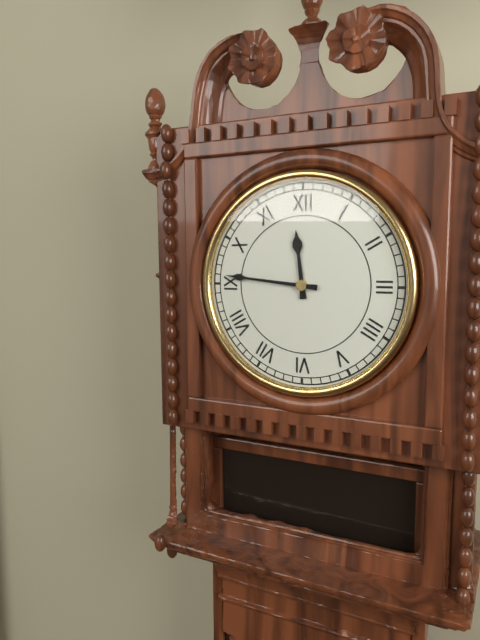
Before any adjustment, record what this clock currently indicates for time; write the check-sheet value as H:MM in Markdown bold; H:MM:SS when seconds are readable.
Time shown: **11:46**
